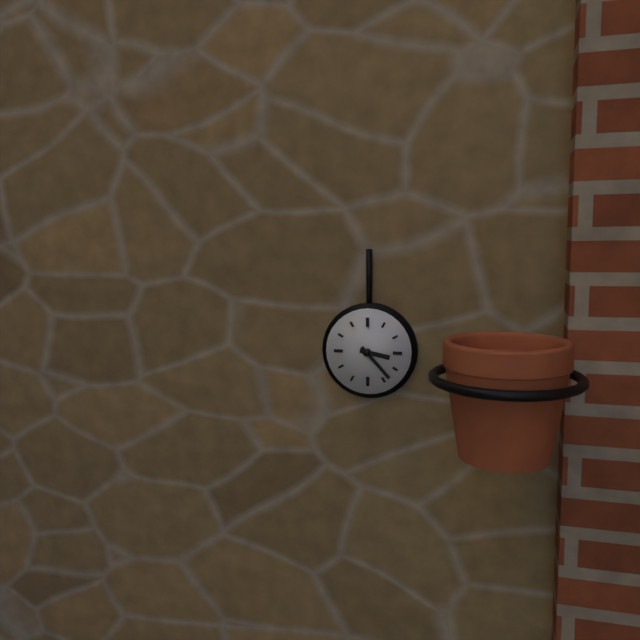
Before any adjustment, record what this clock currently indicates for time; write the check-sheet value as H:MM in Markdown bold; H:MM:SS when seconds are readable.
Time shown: **3:23**
